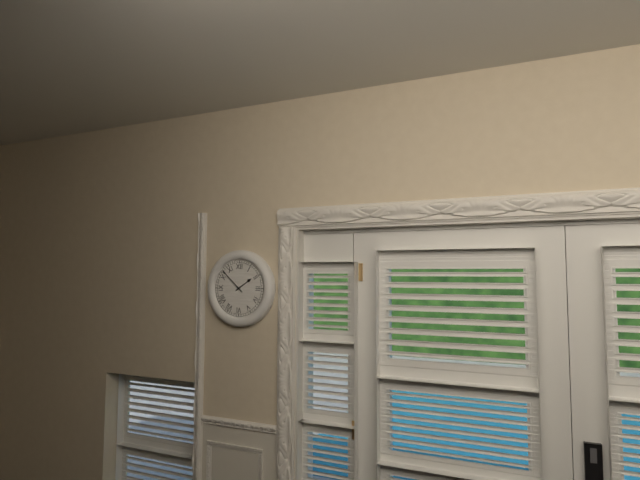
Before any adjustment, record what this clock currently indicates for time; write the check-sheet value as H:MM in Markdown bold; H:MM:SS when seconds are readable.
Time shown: **1:52**
